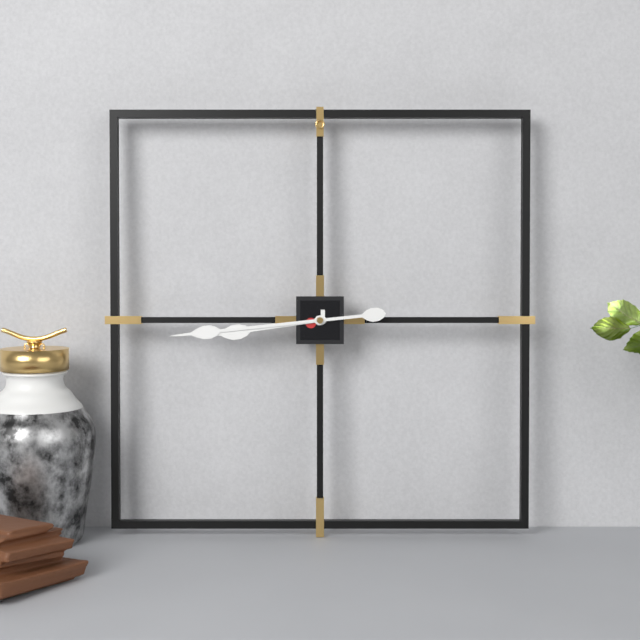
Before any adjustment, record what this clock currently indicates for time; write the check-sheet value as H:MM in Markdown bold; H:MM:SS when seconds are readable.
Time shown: **8:44**
